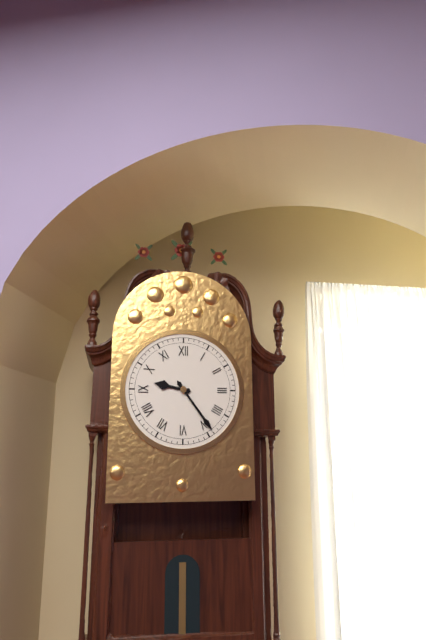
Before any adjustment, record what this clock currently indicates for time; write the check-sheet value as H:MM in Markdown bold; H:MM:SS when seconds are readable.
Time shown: **9:24**
